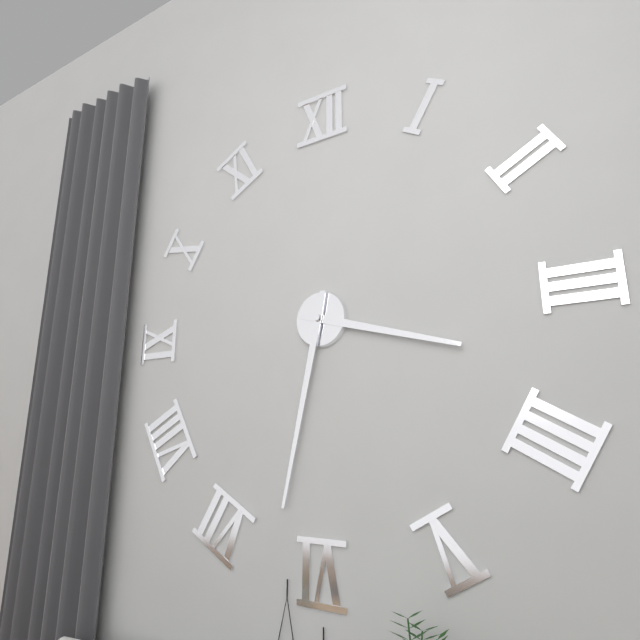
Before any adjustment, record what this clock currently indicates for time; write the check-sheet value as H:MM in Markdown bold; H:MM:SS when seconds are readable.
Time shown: **3:32**
